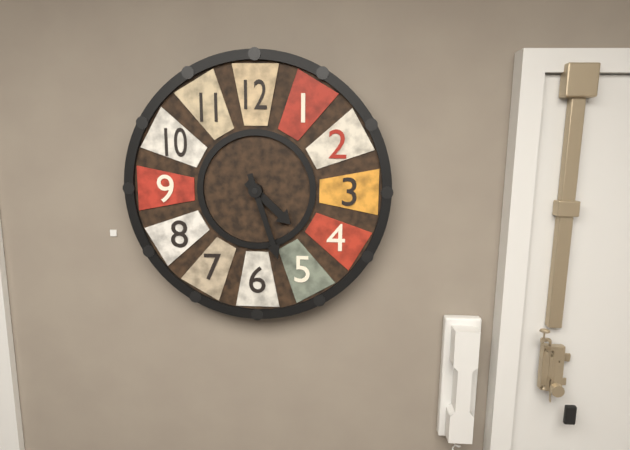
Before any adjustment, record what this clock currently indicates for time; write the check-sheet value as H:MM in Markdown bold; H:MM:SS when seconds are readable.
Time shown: **4:27**
